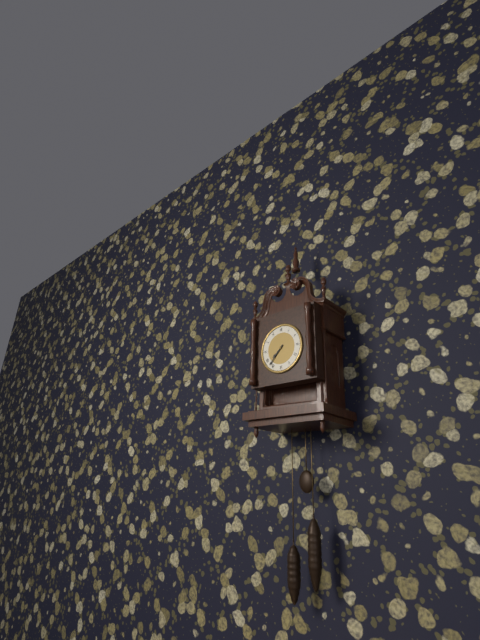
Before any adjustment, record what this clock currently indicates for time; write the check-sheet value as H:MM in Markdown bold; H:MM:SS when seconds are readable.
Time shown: **7:37**
